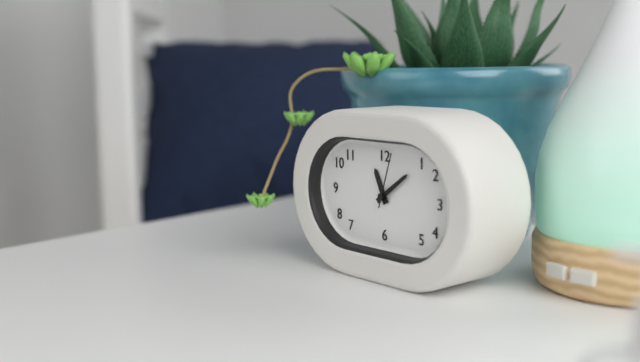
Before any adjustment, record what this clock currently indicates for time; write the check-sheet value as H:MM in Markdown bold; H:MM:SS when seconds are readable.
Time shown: **11:09:03**
